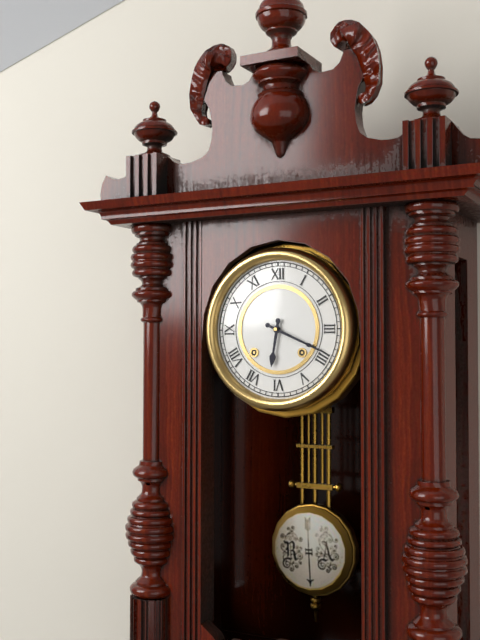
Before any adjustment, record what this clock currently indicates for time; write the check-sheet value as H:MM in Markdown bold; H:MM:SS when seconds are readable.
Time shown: **6:19**
